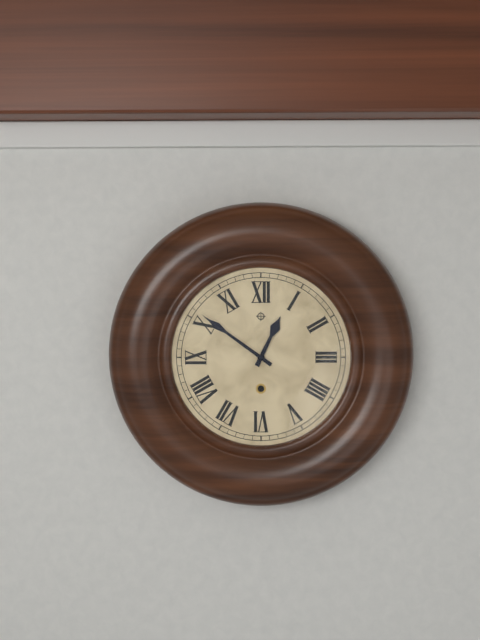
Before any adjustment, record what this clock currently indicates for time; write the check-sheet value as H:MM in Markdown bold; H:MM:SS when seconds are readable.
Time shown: **12:51**
